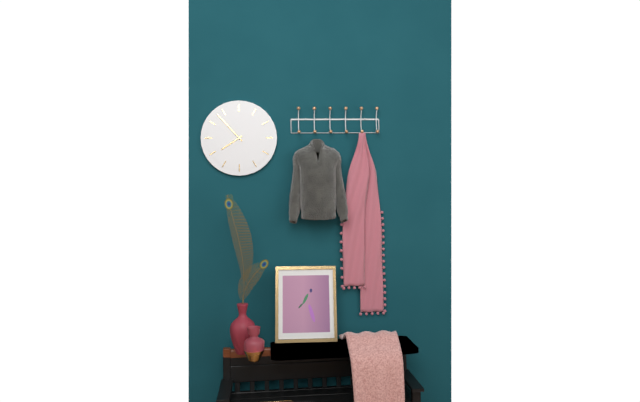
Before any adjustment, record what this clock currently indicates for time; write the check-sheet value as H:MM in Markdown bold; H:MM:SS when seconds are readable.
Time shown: **7:53**
